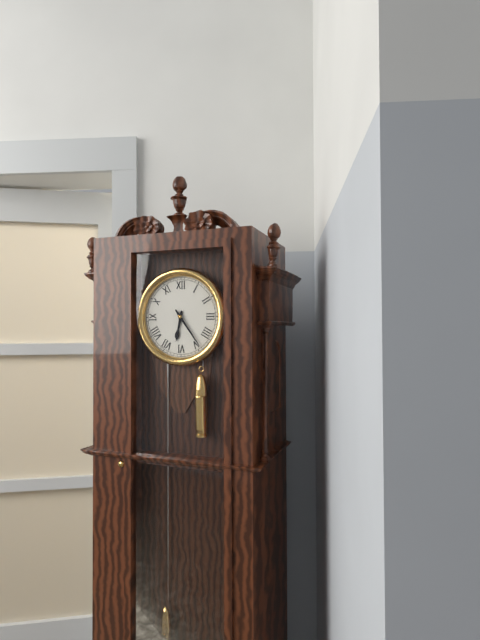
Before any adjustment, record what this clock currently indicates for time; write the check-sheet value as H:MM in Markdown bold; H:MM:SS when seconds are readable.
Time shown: **6:24**
